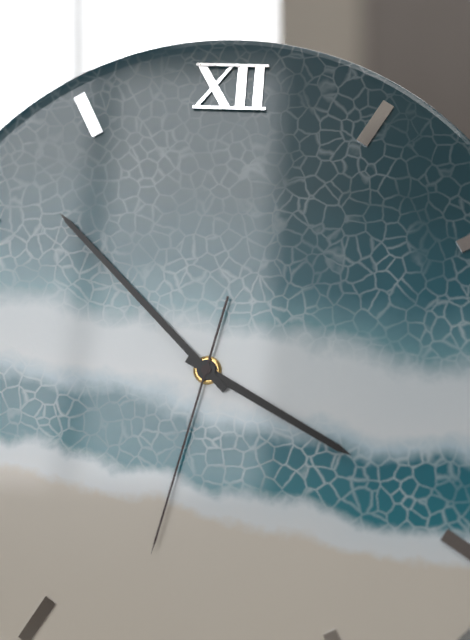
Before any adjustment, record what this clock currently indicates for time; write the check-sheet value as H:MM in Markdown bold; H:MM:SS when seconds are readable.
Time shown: **3:52:32**
